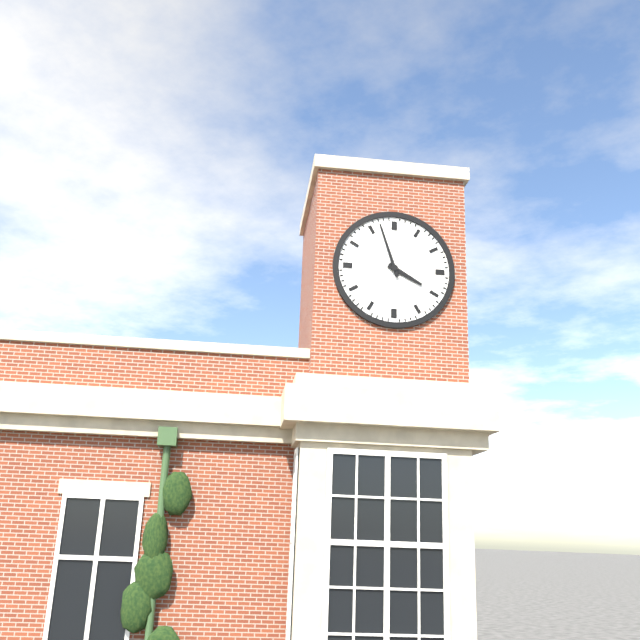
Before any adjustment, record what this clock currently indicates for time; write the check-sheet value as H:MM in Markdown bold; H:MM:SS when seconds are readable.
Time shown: **3:57**
